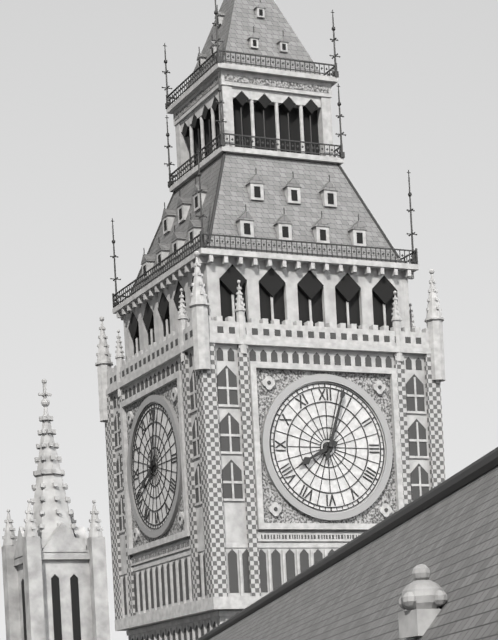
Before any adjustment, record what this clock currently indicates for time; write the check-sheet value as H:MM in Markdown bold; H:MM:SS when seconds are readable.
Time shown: **8:03**
